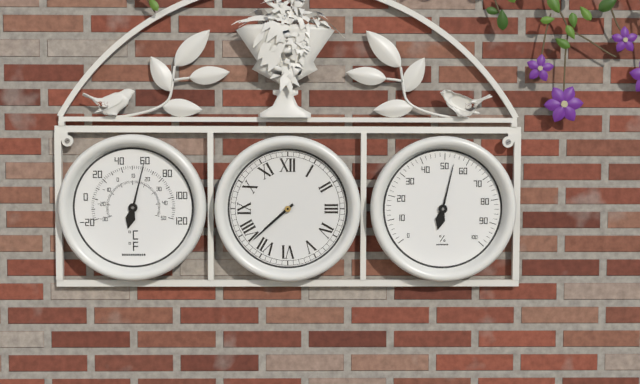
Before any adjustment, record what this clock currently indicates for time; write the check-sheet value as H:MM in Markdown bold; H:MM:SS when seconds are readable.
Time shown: **7:38**
